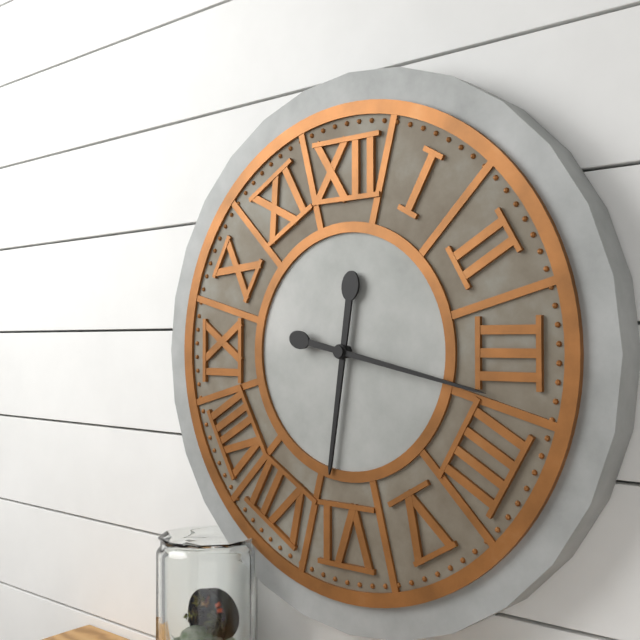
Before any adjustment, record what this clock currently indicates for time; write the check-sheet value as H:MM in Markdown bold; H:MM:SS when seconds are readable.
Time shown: **6:17**
